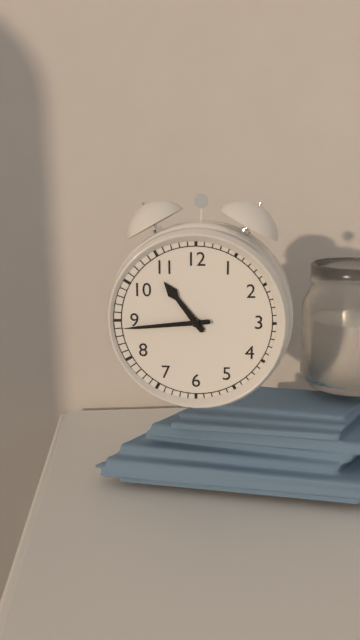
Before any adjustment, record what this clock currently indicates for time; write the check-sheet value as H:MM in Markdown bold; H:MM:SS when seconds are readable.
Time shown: **10:44**
